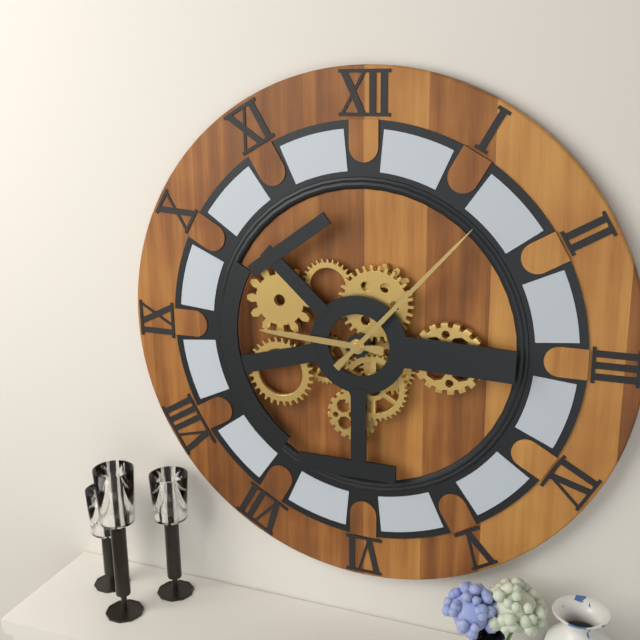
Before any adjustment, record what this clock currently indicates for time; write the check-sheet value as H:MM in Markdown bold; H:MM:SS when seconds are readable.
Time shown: **9:07**
